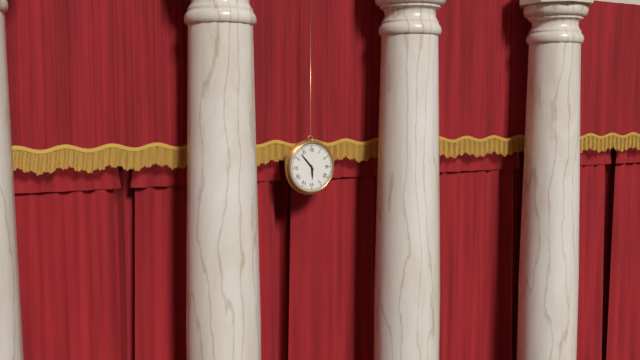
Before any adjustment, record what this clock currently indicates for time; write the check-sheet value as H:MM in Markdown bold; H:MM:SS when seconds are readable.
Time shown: **5:53**
